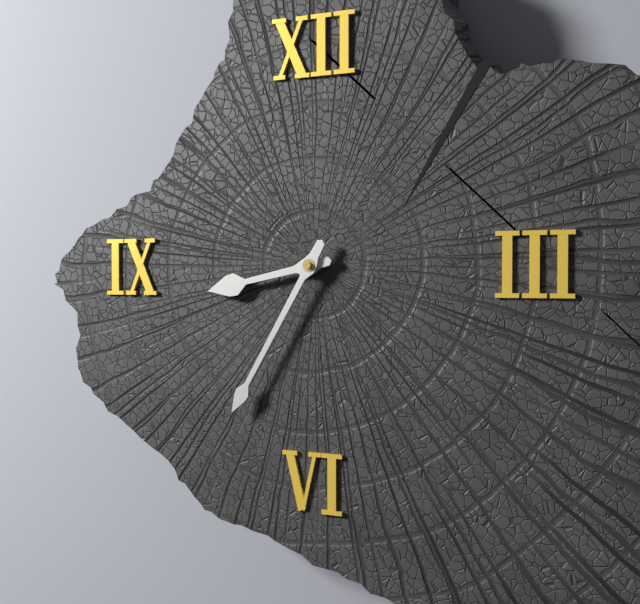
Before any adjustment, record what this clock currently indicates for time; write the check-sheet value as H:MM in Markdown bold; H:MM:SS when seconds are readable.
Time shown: **8:35**
